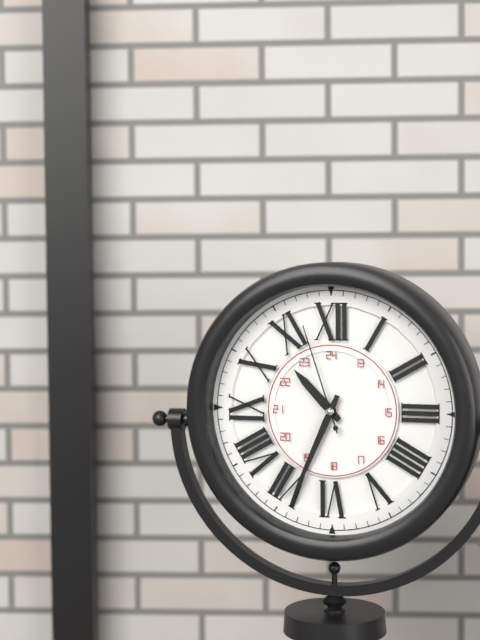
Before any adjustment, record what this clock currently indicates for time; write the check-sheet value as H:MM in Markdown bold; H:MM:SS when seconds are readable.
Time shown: **10:34:57**
